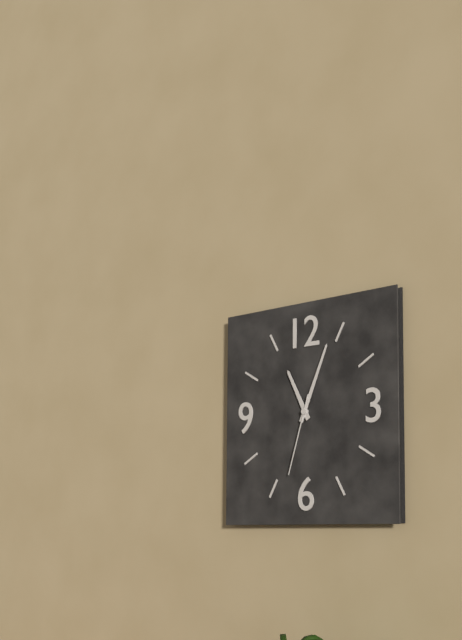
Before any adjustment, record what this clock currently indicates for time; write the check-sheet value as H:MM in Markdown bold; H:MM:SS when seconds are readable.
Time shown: **11:04:33**
